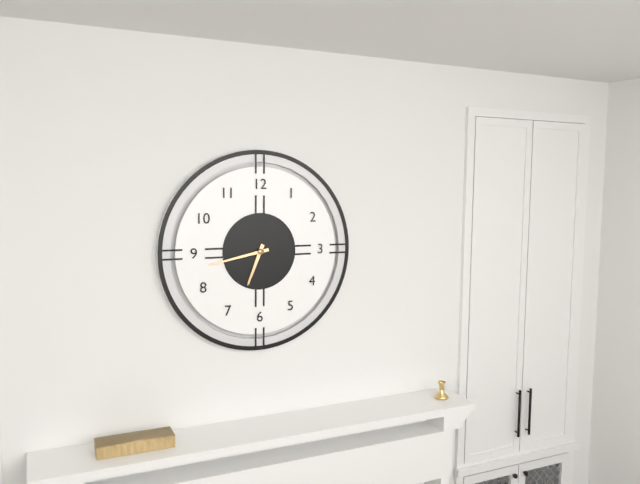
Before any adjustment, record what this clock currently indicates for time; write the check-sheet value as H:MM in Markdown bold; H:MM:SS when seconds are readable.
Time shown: **6:43**
